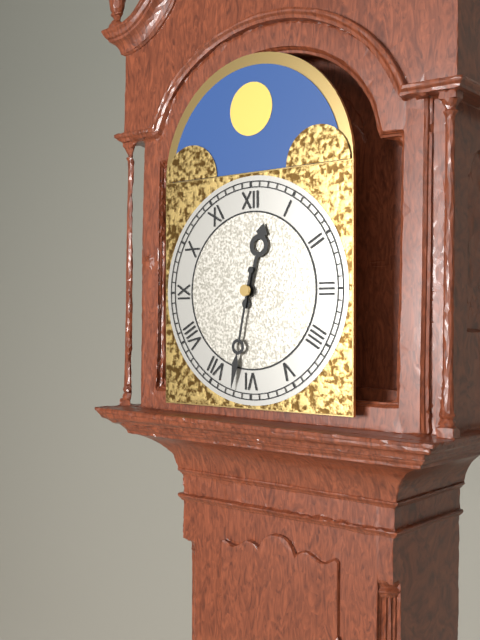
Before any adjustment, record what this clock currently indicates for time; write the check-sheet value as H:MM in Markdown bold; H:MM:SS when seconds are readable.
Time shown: **12:32**
